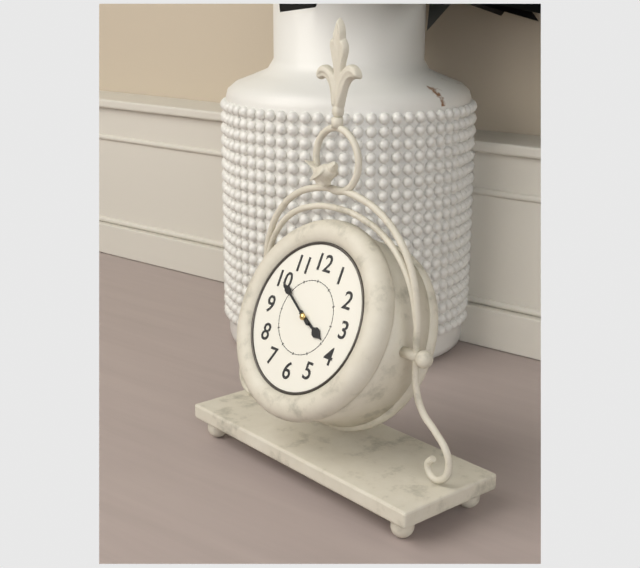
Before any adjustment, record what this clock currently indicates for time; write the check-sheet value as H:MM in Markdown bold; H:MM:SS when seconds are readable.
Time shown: **3:50**
